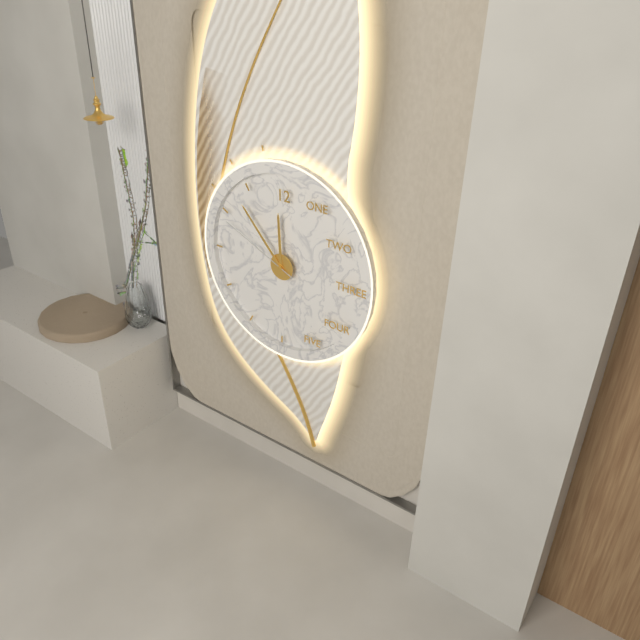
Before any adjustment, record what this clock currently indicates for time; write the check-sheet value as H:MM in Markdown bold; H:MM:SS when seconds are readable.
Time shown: **11:53:49**
